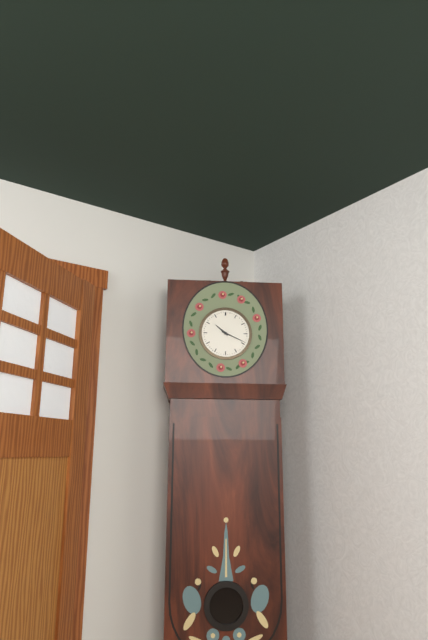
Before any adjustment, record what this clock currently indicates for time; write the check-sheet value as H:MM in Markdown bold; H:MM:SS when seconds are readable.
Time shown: **10:19**
